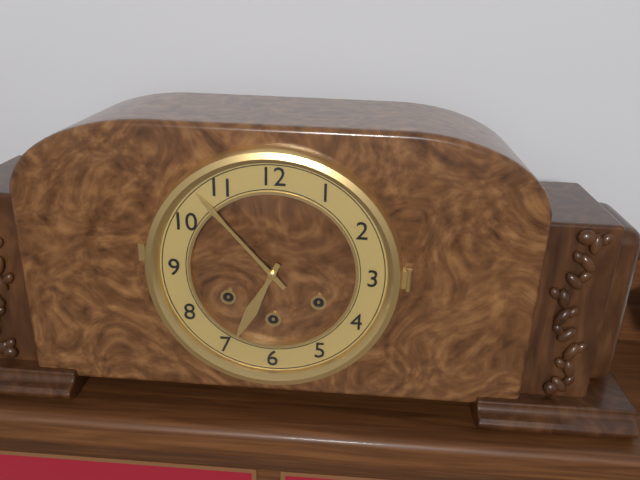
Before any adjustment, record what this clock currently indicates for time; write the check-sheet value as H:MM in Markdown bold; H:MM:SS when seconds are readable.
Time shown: **6:53**
